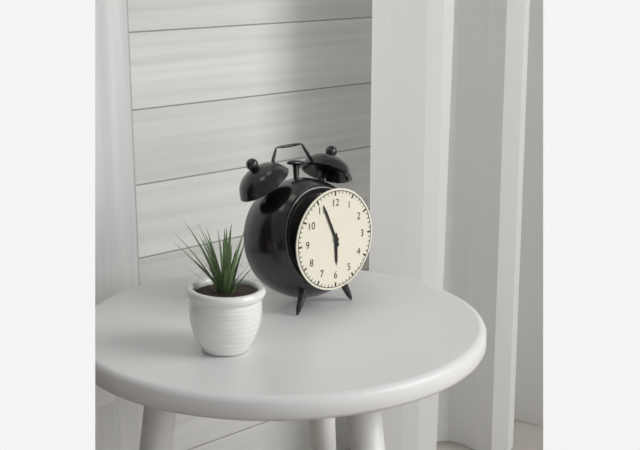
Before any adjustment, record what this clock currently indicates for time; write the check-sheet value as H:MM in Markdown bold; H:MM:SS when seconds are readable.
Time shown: **5:56**
